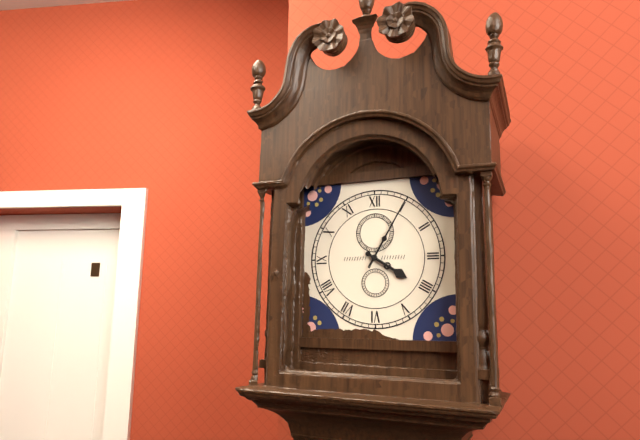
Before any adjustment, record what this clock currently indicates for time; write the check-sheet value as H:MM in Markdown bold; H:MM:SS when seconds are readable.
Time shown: **4:05**
